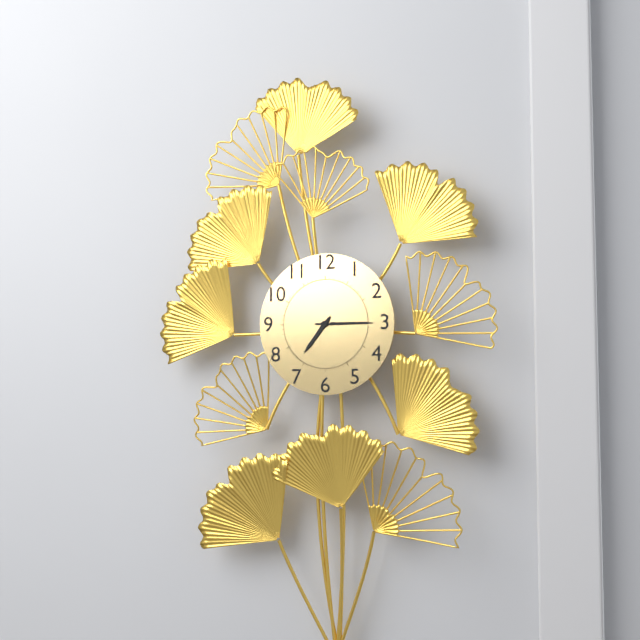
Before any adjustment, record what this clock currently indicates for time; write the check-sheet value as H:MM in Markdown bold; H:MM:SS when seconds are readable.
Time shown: **7:15**
